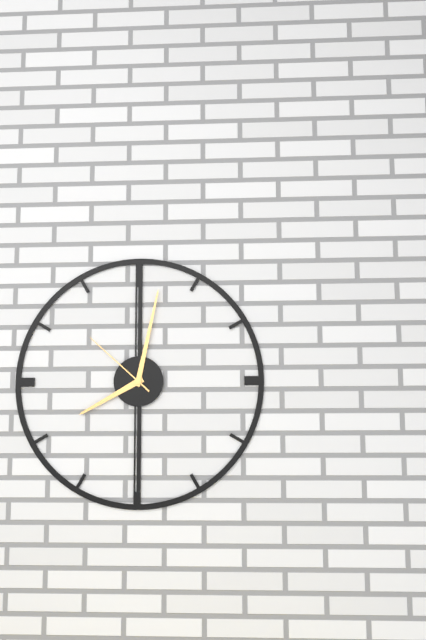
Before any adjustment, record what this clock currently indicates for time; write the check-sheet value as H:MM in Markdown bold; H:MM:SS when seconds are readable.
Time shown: **8:02:52**
